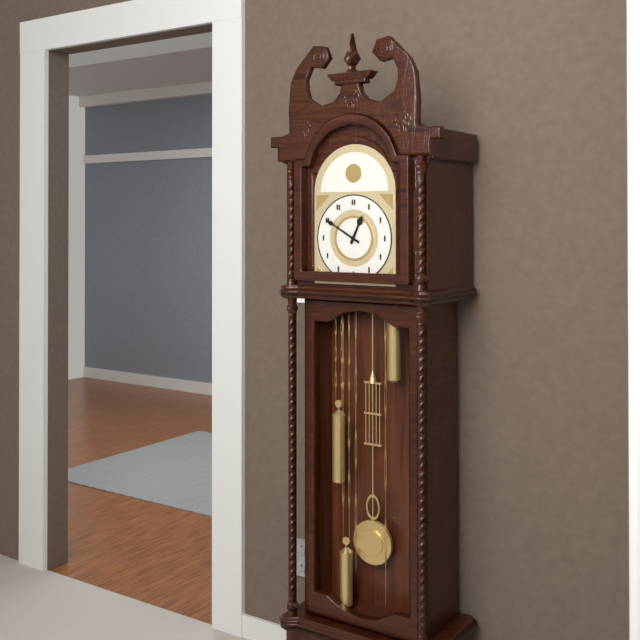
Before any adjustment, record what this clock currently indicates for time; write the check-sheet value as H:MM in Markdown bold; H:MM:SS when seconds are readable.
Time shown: **12:50**
